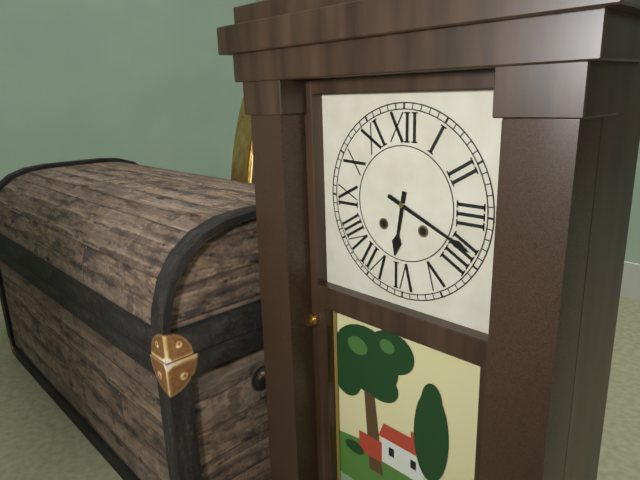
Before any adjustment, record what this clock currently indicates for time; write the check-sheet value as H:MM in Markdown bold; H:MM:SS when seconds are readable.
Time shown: **6:19**
